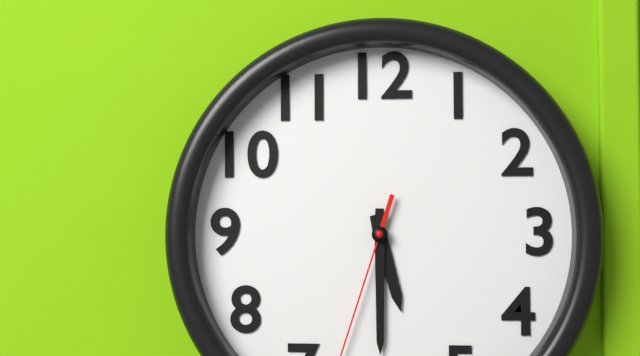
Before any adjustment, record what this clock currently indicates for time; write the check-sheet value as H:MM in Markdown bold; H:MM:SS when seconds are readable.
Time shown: **5:30**
